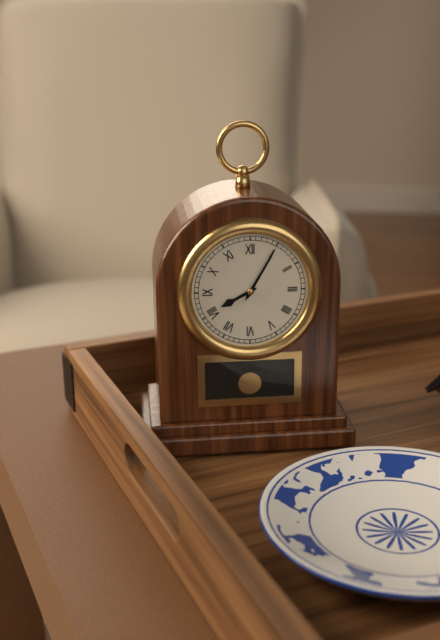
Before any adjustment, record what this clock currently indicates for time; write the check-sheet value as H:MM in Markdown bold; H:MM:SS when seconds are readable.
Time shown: **8:05**
